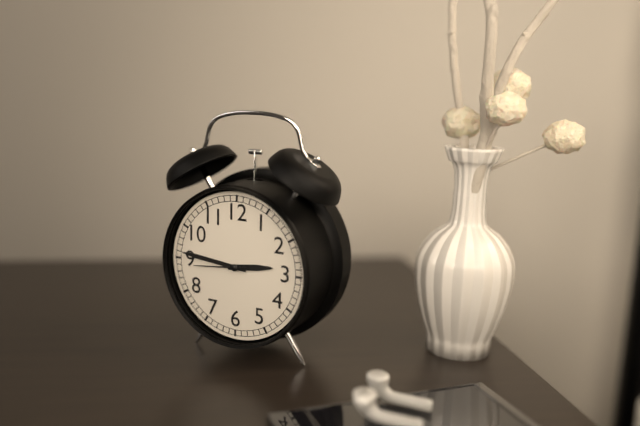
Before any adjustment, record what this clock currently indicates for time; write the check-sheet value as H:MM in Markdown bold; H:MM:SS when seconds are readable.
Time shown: **2:46:44**
